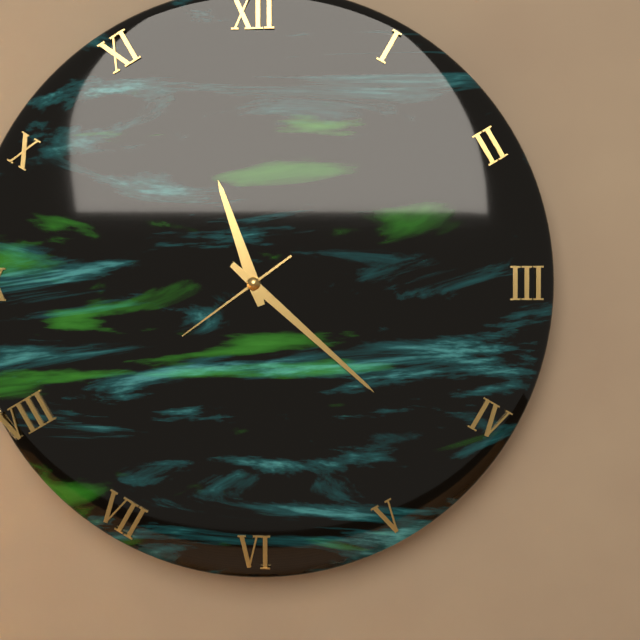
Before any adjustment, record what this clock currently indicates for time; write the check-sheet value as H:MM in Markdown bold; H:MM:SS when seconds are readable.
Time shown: **11:22:39**
